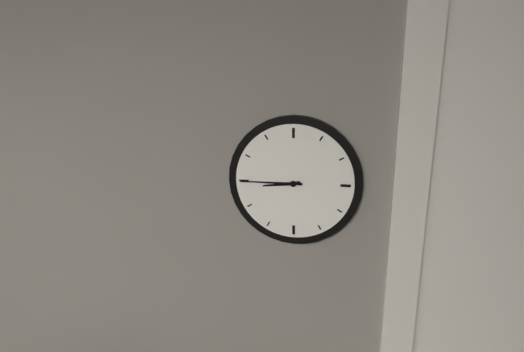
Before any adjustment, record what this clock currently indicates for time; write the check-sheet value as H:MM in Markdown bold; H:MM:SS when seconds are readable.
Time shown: **8:45**
